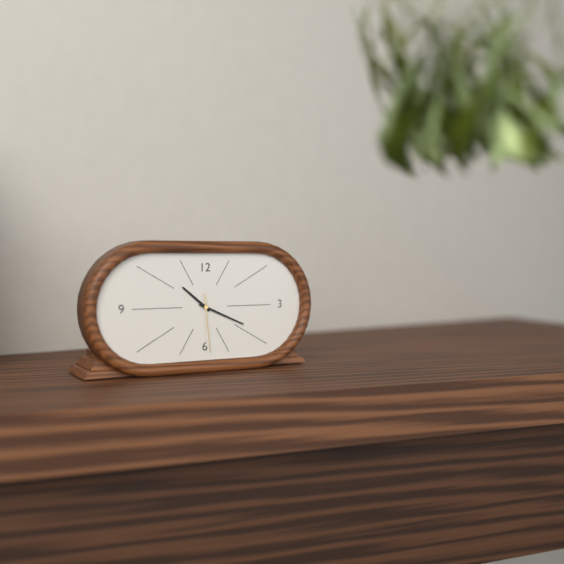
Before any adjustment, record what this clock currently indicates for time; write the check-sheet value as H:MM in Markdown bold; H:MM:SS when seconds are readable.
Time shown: **10:19:29**
